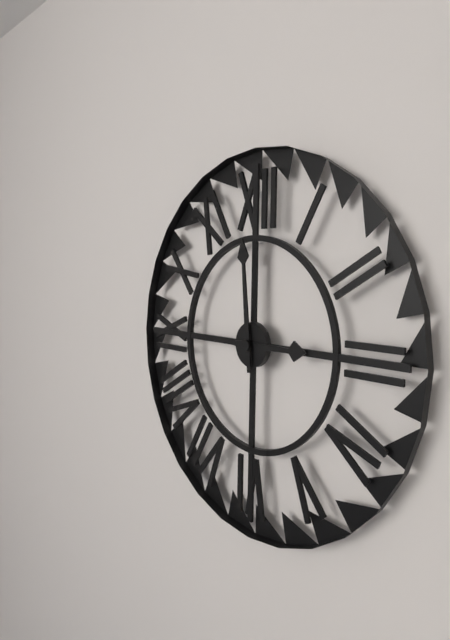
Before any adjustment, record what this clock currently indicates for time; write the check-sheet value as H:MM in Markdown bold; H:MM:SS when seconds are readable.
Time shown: **2:59**
